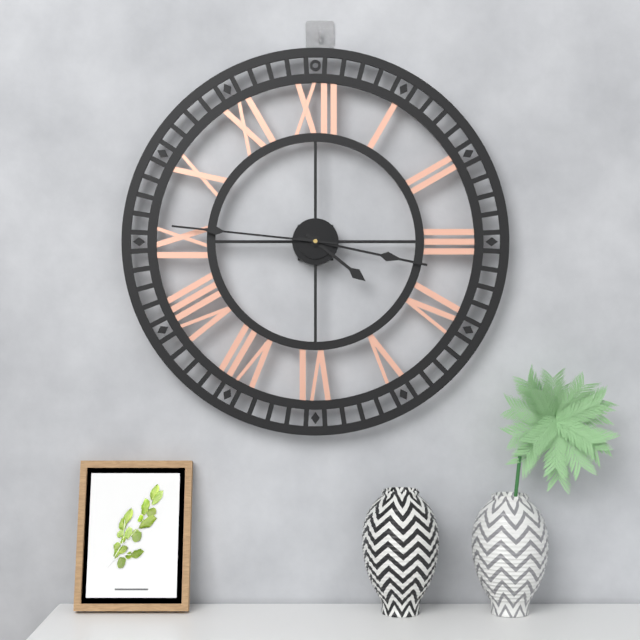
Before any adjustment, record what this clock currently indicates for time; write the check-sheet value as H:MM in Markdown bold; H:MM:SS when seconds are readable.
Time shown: **4:17:46**
